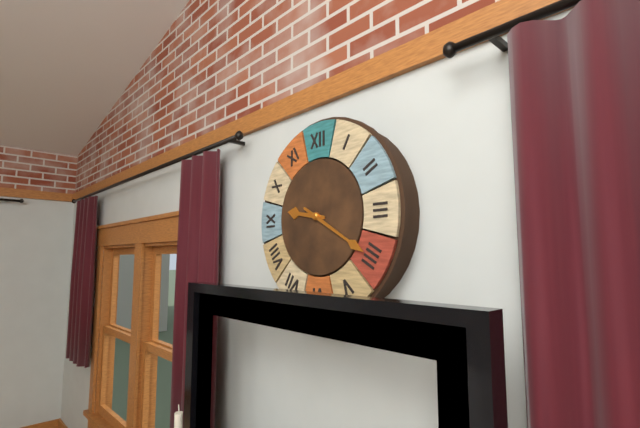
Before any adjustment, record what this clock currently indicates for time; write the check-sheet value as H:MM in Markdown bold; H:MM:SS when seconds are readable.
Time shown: **9:20**
